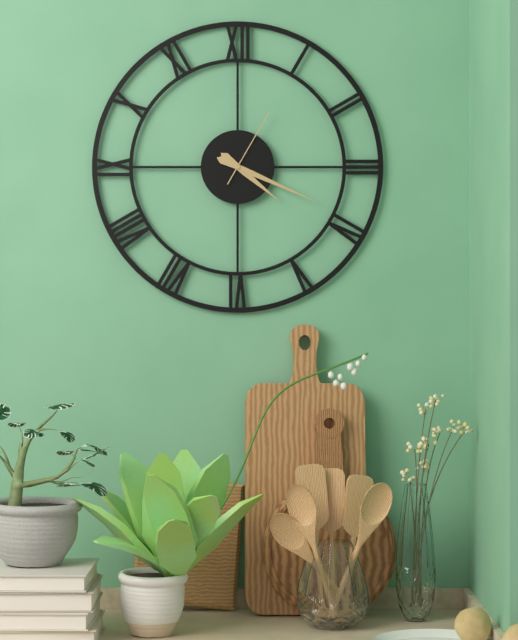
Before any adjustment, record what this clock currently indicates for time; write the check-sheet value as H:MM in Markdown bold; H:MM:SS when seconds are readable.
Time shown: **4:19:05**
